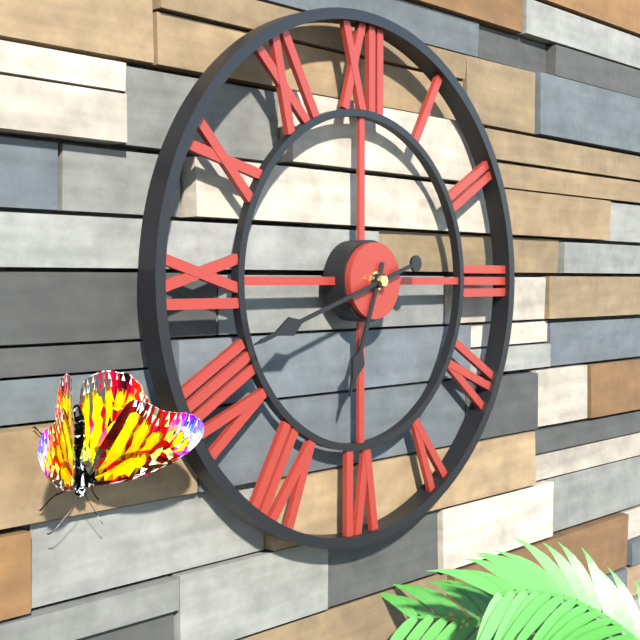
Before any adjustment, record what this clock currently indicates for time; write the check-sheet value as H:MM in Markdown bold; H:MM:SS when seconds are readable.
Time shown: **6:42**
